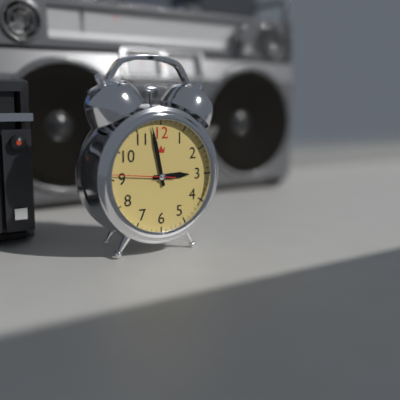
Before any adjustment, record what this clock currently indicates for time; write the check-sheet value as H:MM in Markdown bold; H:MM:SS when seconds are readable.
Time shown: **2:58:46**
